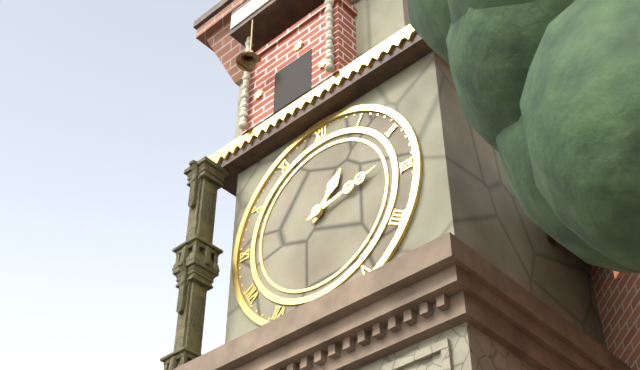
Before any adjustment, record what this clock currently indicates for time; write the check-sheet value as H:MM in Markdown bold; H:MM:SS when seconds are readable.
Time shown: **1:13**
